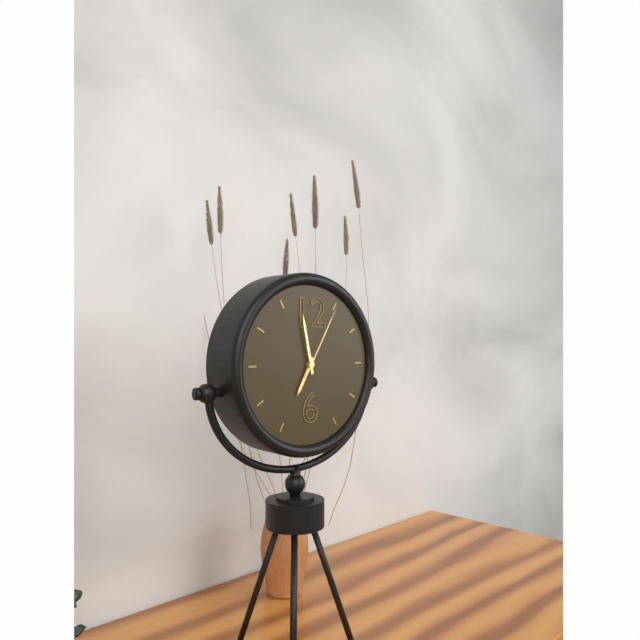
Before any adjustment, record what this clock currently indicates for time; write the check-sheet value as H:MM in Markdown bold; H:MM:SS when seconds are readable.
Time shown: **6:58:05**
